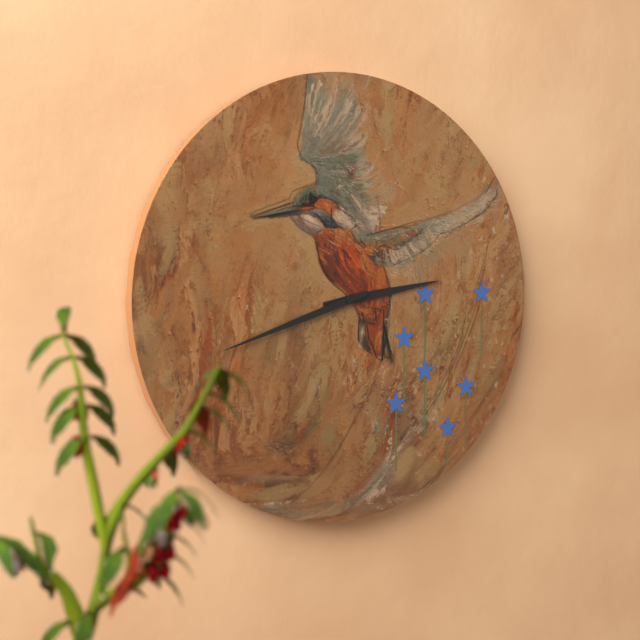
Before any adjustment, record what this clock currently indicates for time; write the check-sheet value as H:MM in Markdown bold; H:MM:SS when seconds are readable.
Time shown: **2:42**
